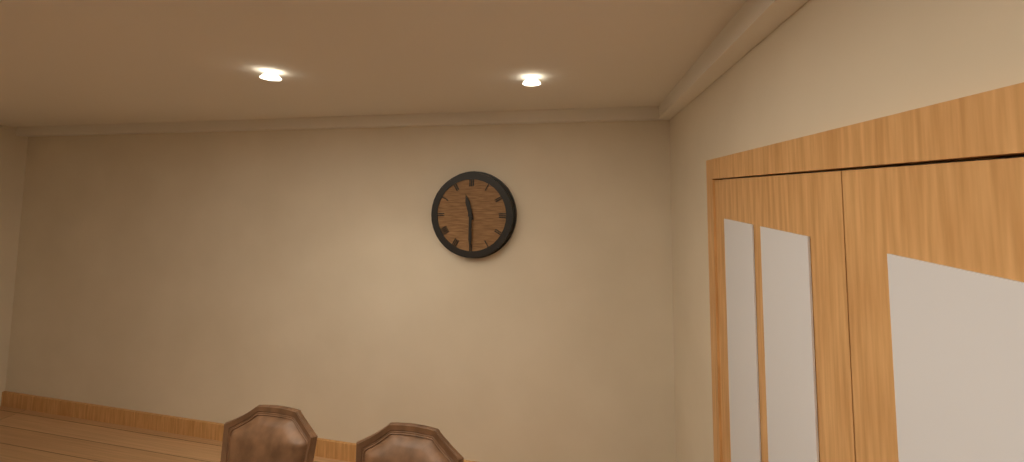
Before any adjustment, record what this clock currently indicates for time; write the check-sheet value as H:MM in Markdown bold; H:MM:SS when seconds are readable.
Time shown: **11:30**
